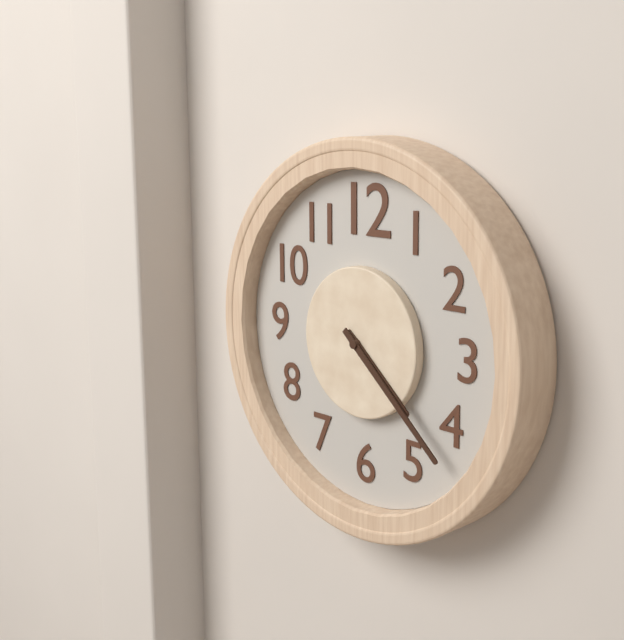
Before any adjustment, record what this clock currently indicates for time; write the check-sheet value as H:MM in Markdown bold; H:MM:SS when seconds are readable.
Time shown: **4:22**
